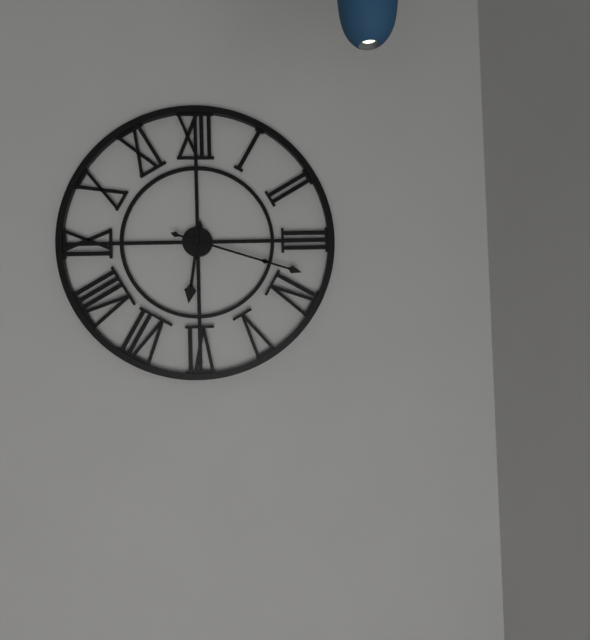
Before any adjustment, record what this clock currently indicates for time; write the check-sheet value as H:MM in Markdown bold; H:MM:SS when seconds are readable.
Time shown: **6:18**
